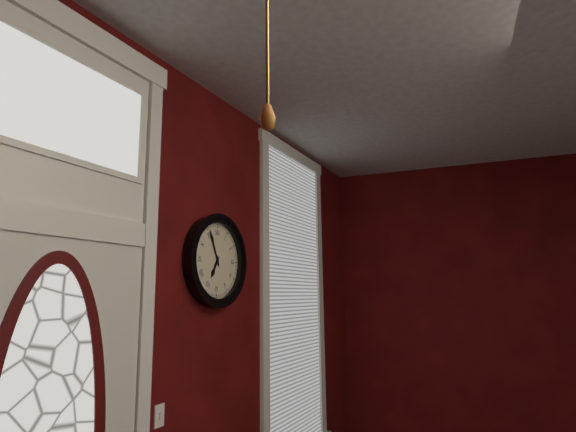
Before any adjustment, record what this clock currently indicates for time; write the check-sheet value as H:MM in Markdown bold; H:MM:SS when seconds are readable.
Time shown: **6:56**
